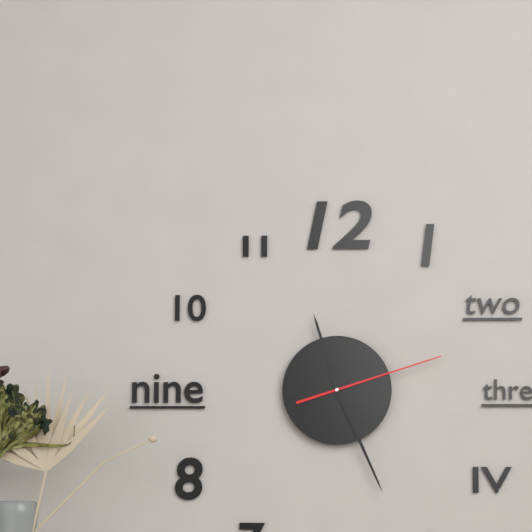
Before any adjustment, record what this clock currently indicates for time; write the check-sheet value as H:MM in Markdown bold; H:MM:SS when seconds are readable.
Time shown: **11:26:12**
